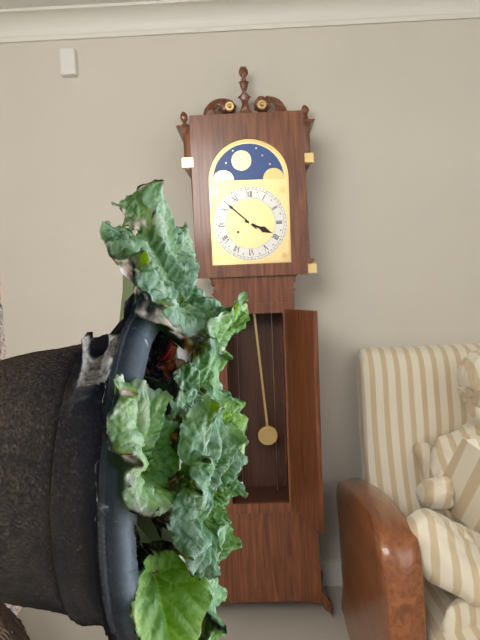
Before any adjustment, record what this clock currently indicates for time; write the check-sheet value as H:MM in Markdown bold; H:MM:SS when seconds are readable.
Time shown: **3:52**
